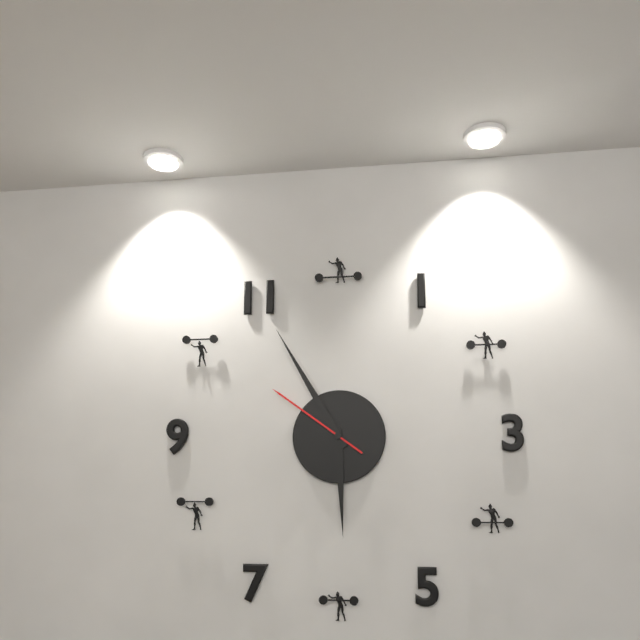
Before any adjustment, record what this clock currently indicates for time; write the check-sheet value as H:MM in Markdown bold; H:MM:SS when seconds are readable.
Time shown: **5:55:51**
